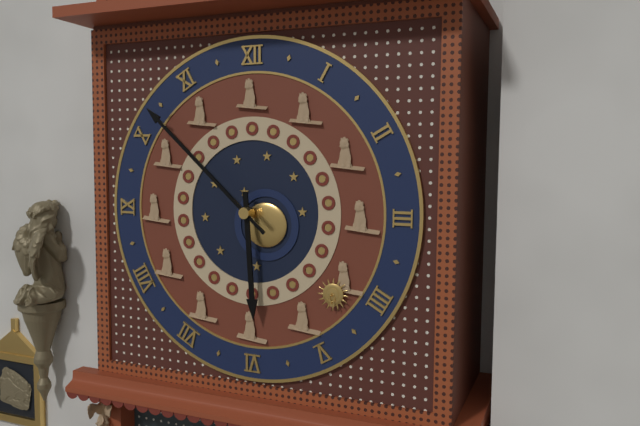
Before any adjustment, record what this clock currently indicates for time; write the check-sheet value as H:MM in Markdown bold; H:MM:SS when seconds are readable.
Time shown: **5:52**
